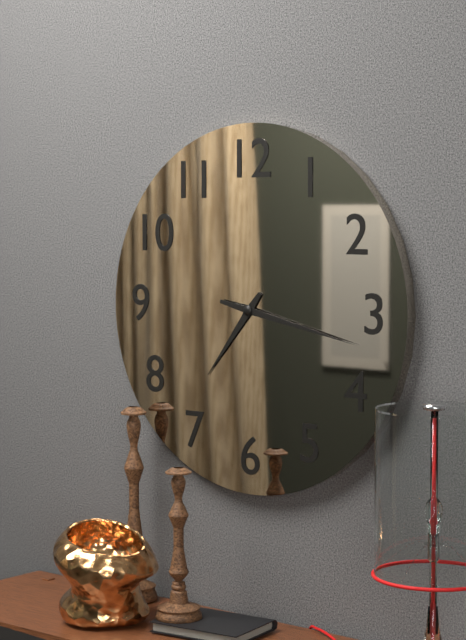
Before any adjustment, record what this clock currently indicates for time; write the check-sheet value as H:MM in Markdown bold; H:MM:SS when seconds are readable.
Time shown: **7:17**
